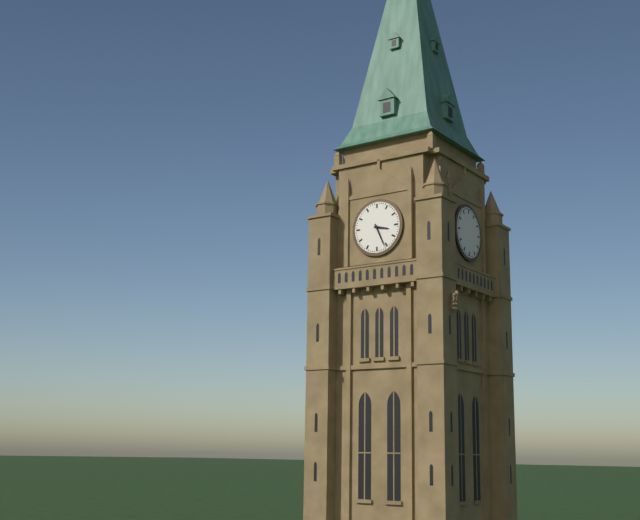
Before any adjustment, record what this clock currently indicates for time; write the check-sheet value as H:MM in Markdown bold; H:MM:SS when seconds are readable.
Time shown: **3:26**
